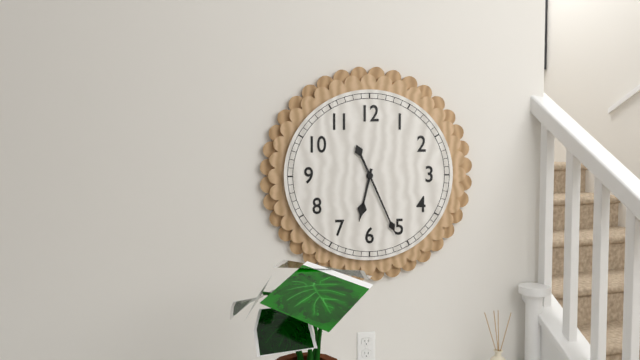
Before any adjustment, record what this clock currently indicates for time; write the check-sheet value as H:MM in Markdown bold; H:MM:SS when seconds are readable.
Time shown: **6:26**
